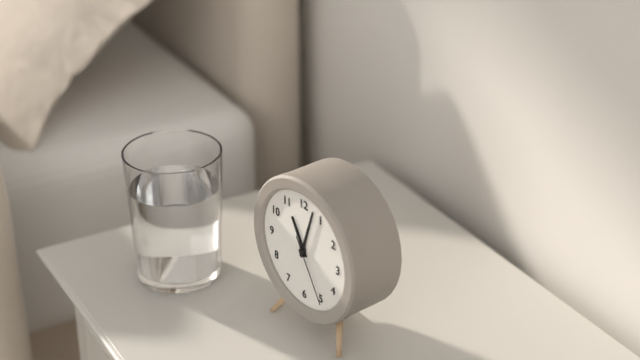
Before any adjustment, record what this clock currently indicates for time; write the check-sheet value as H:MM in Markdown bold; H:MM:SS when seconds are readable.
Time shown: **11:03:25**
